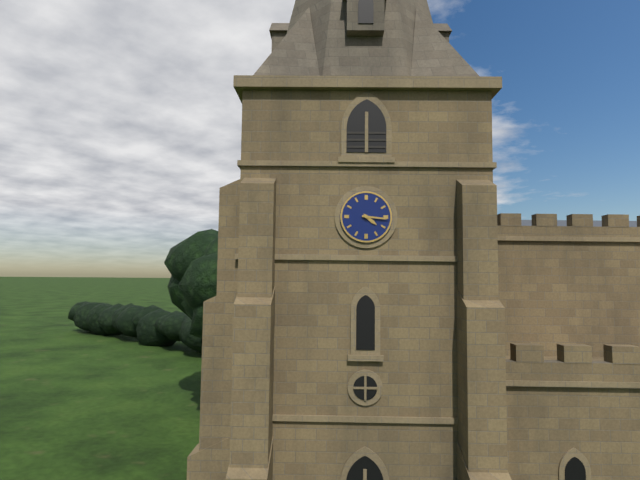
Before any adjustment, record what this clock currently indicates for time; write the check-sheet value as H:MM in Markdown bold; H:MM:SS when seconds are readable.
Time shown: **4:16**
